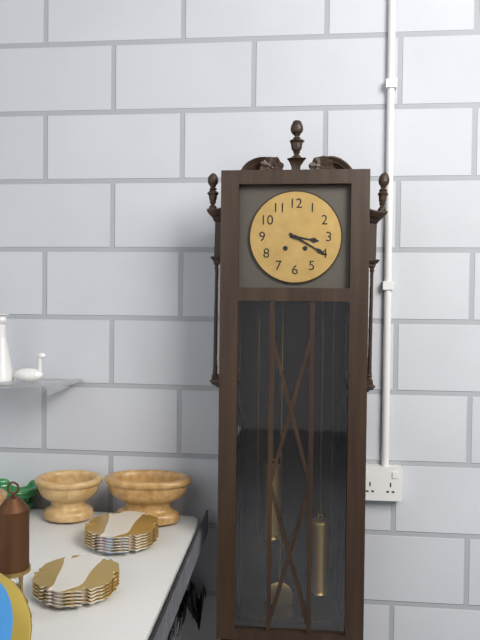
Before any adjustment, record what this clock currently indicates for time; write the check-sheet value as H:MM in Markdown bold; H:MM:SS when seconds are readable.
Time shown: **3:20**
